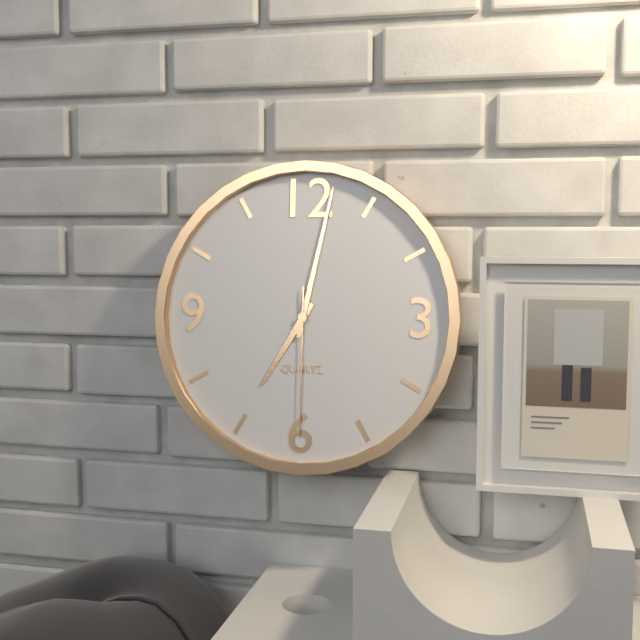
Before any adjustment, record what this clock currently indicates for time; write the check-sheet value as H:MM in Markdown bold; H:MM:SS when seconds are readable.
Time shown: **7:02:30**
